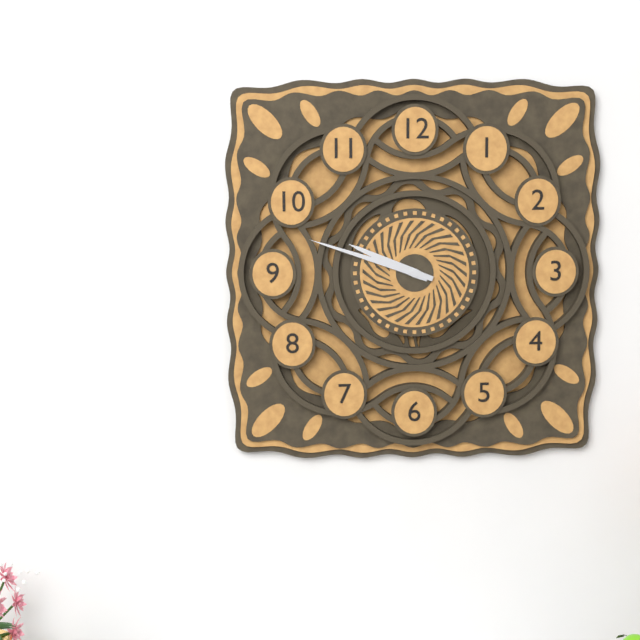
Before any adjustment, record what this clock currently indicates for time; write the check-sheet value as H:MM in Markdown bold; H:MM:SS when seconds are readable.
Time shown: **9:48**
